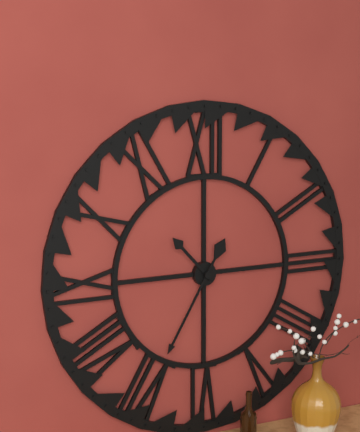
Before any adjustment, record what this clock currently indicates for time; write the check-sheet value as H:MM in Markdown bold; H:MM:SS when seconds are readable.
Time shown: **10:35**
